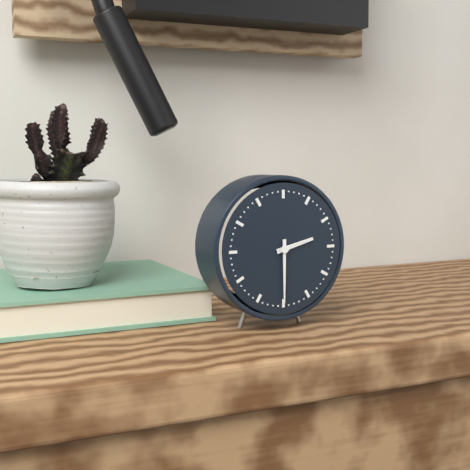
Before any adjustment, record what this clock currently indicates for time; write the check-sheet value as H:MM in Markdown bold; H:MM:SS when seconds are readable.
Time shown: **2:30**
